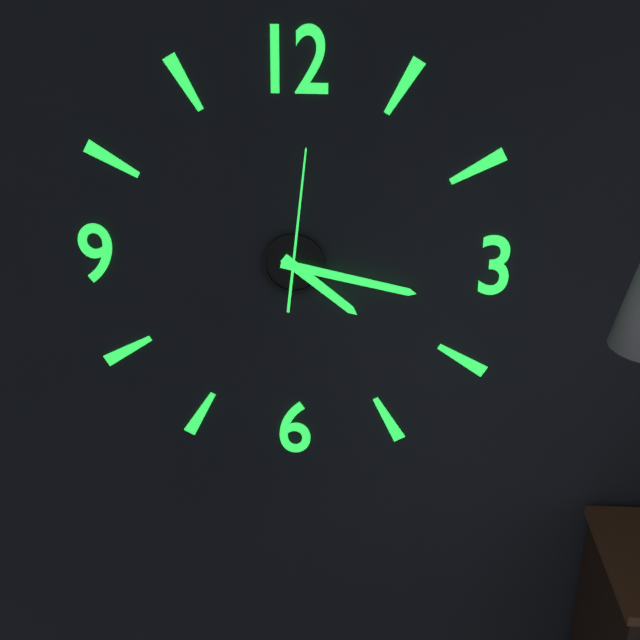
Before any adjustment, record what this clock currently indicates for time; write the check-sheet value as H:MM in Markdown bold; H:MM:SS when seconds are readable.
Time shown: **4:17:01**
